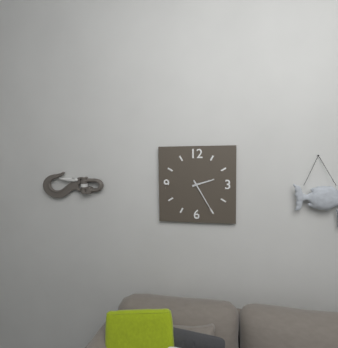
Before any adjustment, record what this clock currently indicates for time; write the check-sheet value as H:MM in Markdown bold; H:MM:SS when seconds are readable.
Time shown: **2:25**
